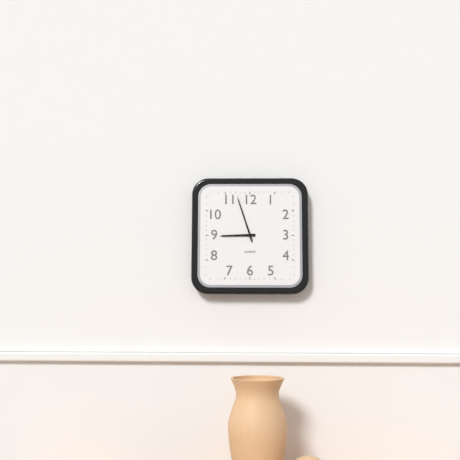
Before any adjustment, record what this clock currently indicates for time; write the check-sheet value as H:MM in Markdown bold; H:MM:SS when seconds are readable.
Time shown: **8:57**
